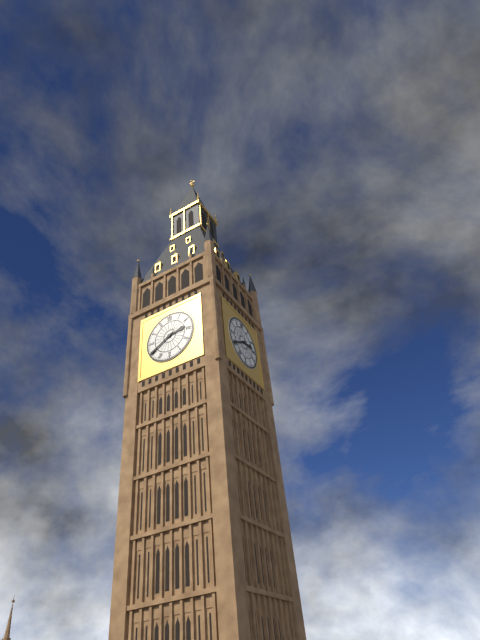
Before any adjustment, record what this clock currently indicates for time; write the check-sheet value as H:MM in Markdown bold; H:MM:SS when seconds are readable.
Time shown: **2:40**
